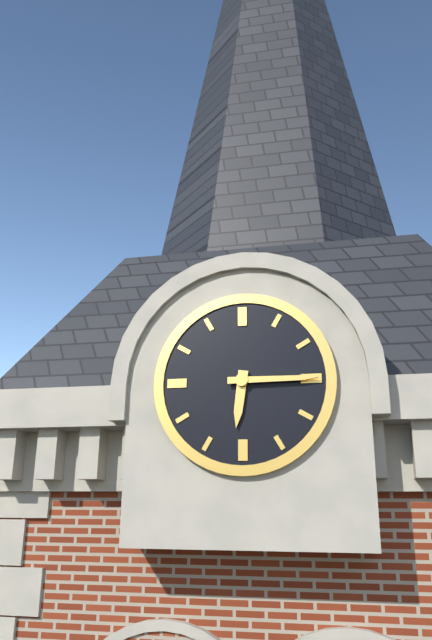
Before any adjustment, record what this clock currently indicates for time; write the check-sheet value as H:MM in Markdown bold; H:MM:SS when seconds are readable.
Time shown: **6:15**
